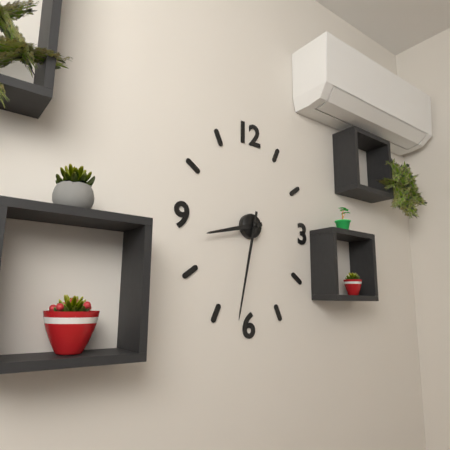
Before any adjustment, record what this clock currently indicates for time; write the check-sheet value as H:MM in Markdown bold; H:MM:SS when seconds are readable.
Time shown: **8:32**
